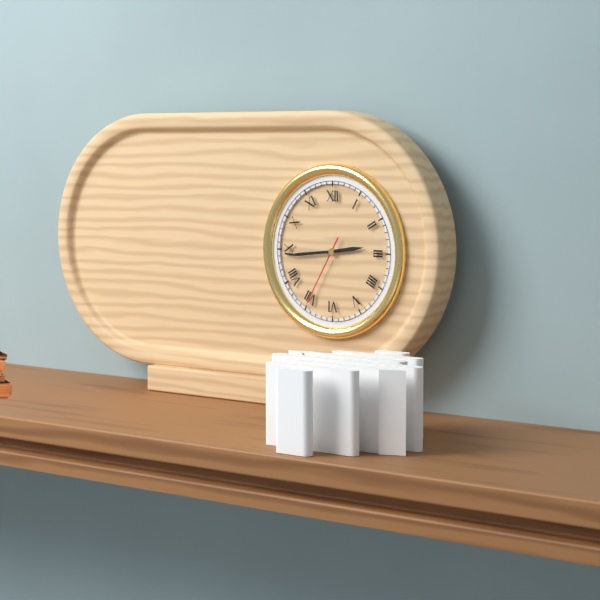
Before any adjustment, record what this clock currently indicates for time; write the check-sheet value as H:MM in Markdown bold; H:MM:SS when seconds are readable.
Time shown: **2:44:35**
